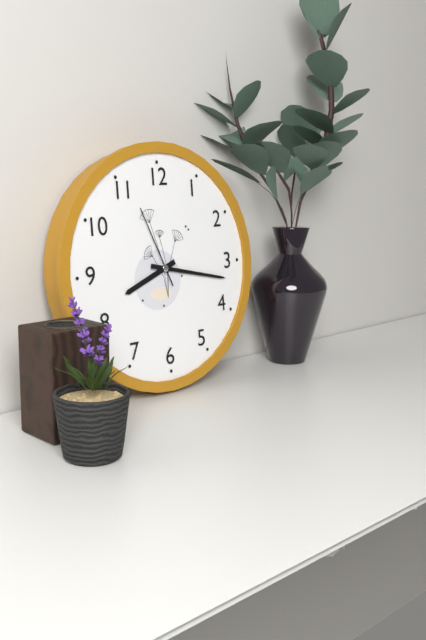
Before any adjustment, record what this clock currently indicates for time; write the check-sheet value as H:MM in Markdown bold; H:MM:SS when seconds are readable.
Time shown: **8:17:56**
